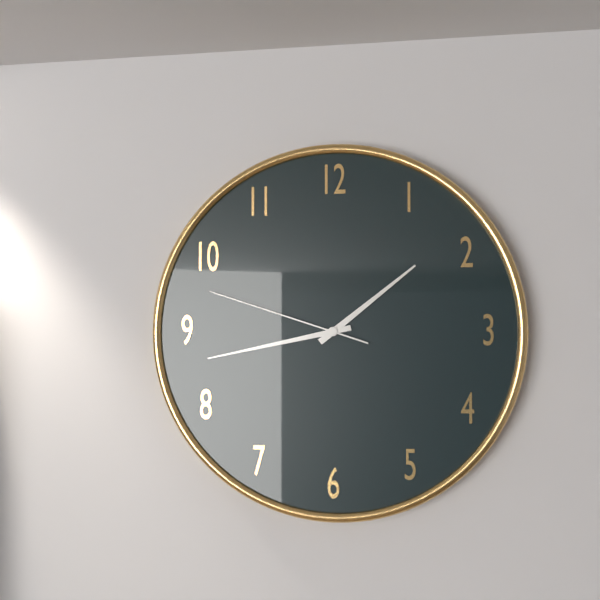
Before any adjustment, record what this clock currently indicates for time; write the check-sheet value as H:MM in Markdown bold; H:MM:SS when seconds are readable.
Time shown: **1:43:48**
